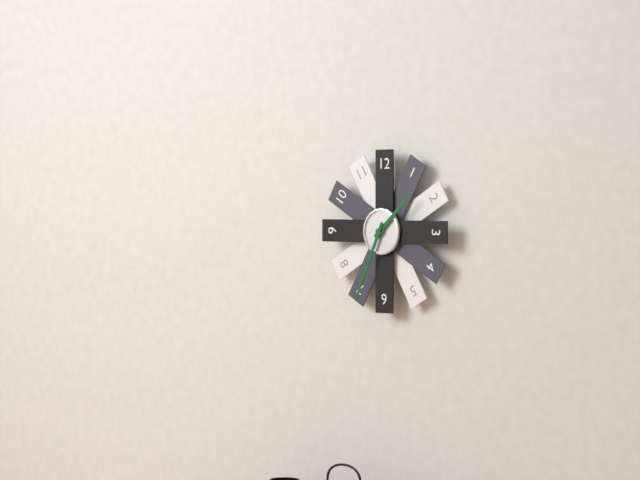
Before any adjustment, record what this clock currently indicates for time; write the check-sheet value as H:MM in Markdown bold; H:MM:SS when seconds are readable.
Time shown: **1:34**
